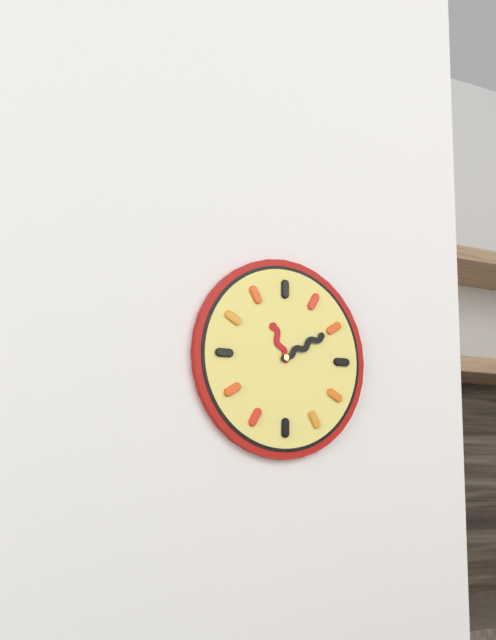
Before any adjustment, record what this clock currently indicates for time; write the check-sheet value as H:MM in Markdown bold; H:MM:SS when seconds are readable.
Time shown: **11:10**
